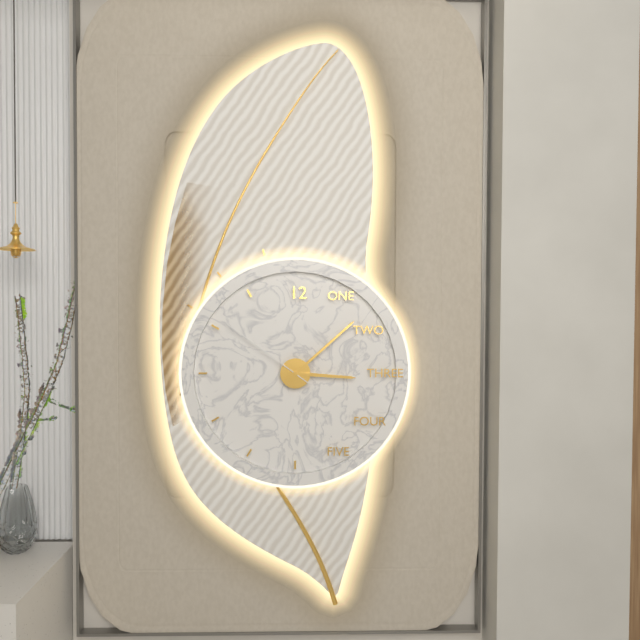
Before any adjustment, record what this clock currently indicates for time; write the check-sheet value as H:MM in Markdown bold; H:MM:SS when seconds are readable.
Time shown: **3:08:51**
